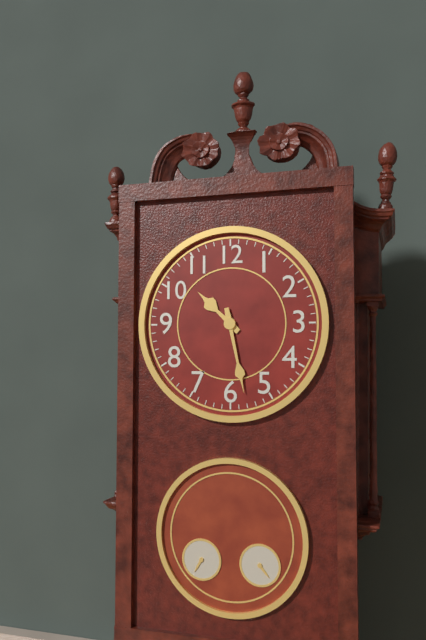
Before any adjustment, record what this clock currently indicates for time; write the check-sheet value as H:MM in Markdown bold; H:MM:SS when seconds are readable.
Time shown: **10:28**
